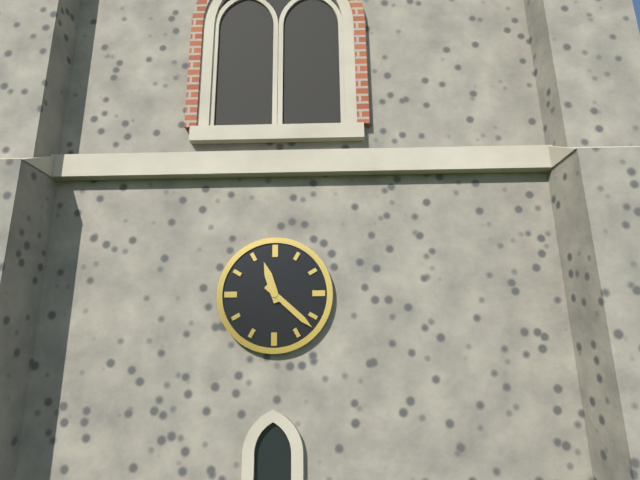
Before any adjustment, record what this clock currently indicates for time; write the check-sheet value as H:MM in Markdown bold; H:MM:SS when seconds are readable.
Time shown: **11:22**
